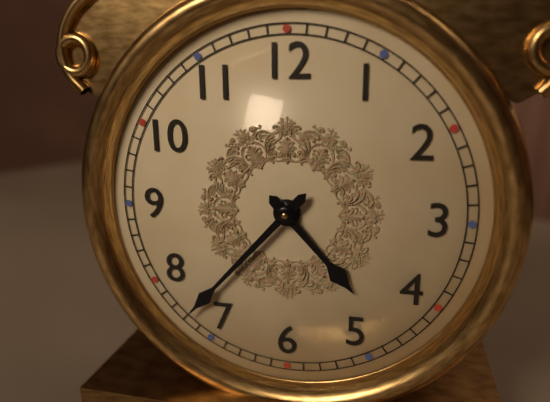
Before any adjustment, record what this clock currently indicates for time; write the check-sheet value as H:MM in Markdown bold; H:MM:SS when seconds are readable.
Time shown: **4:37**
